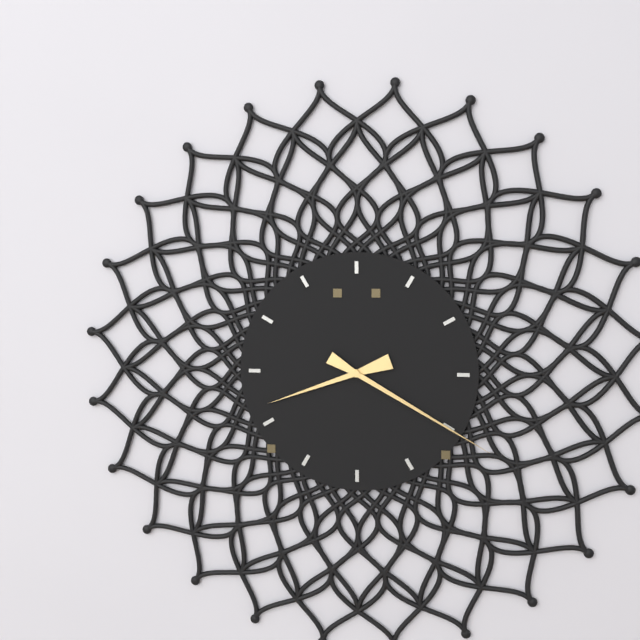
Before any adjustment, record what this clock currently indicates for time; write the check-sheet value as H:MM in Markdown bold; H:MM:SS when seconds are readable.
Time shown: **8:20**
